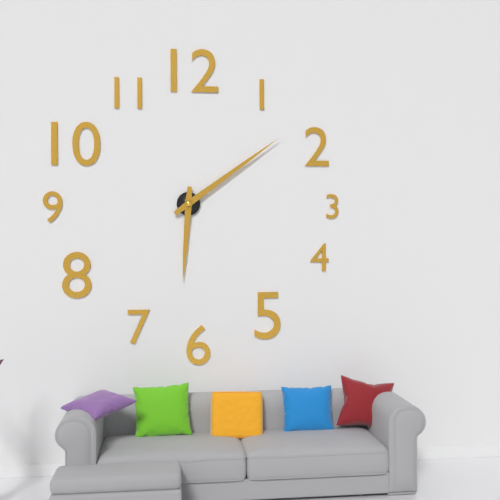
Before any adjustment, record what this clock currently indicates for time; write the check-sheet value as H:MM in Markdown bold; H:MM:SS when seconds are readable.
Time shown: **6:09**
